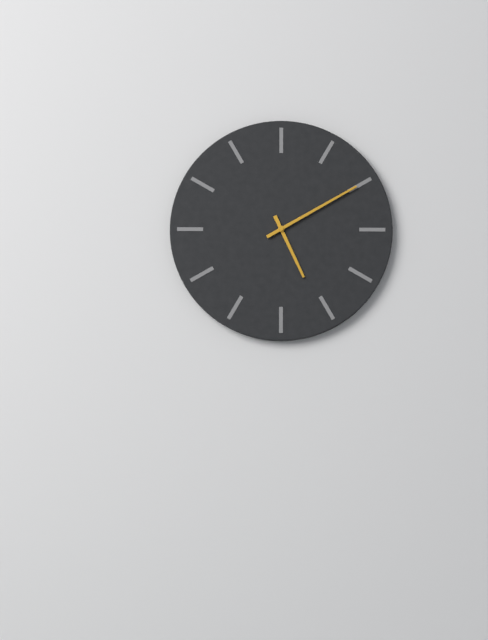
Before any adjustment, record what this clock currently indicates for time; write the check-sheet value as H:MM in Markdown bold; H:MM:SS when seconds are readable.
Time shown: **5:10**
